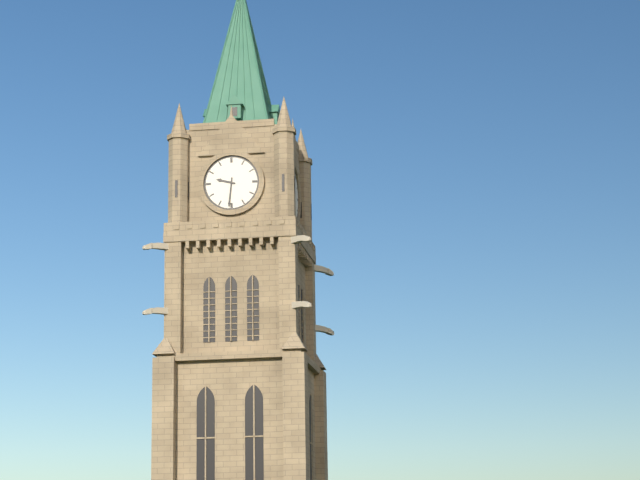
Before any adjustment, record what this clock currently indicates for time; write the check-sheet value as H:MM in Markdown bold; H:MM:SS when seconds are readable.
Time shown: **9:31**
